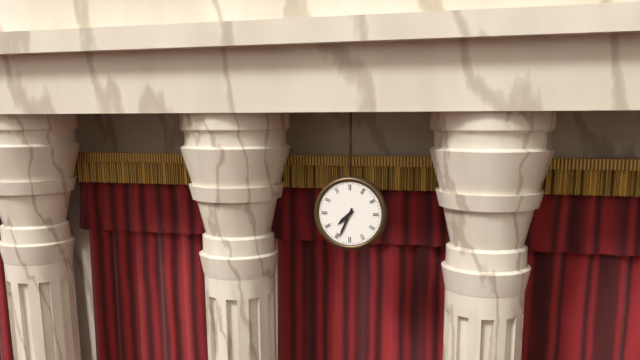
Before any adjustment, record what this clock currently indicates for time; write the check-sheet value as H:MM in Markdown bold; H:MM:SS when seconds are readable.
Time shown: **7:34**
